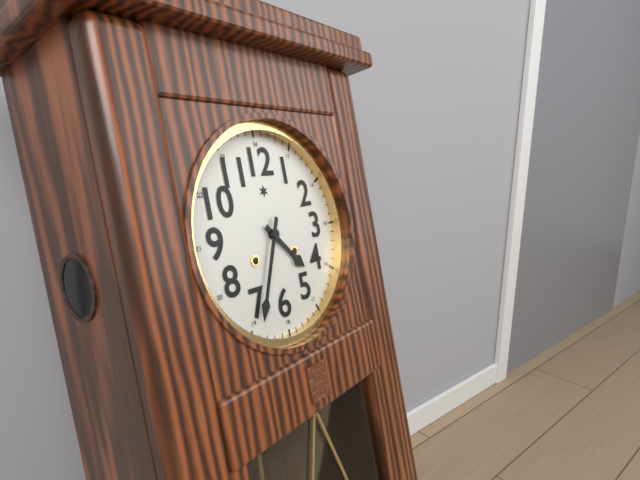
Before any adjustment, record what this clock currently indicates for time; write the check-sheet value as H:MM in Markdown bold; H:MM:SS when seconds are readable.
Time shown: **4:34**
